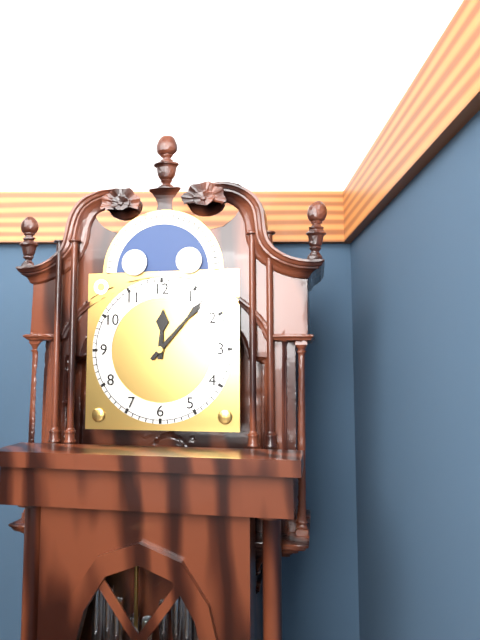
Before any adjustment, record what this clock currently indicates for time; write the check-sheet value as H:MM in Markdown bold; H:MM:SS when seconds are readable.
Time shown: **12:07**
